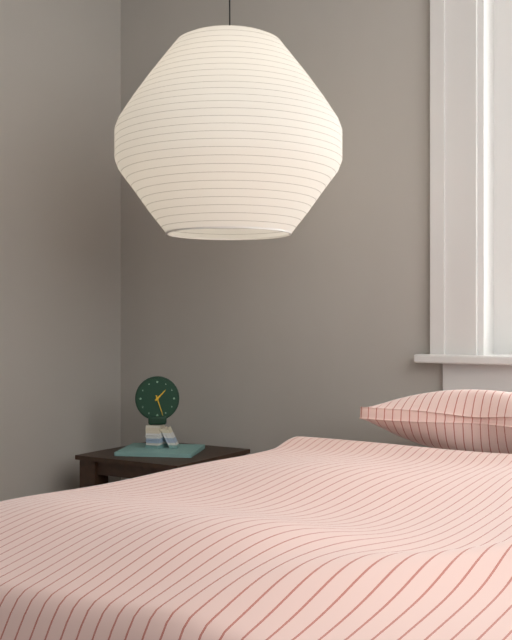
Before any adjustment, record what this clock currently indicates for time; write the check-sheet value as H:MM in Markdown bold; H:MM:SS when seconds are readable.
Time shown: **1:27**
